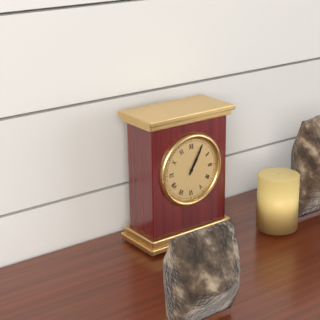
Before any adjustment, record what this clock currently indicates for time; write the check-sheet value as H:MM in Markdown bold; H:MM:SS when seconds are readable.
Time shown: **1:05**
